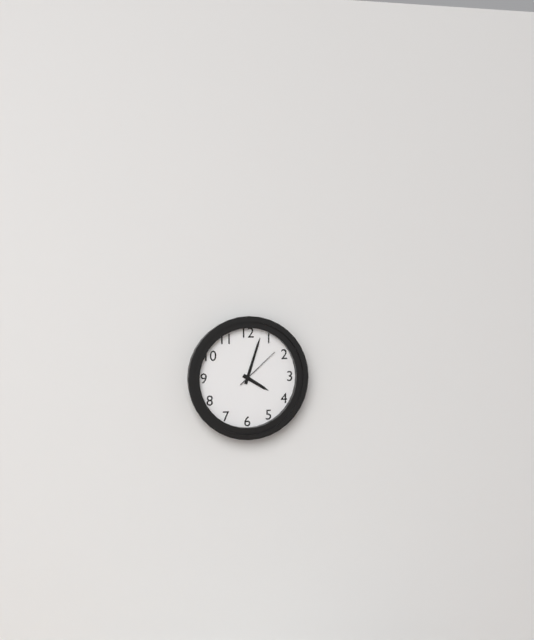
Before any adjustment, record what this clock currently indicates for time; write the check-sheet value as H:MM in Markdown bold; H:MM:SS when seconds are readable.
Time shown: **4:03**
